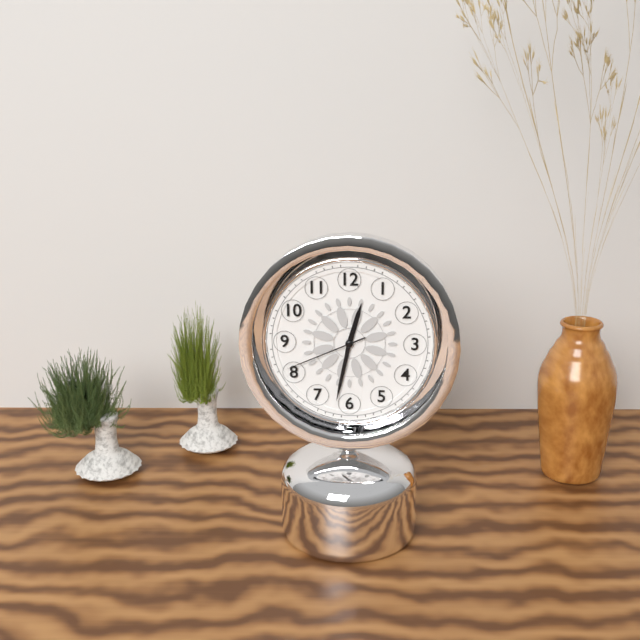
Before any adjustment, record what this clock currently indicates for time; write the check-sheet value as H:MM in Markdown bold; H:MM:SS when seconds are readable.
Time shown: **12:32:41**
